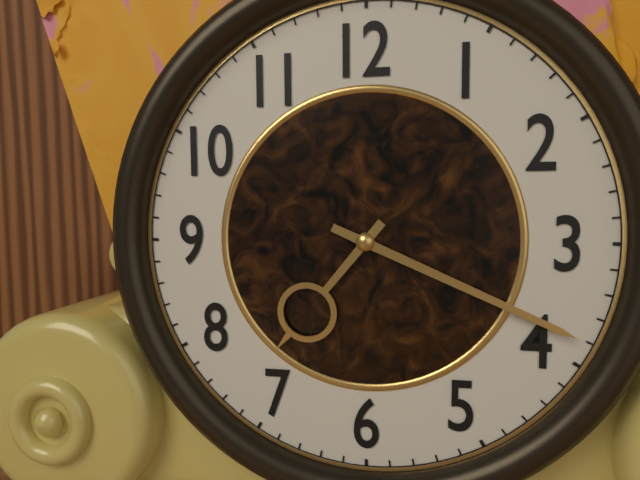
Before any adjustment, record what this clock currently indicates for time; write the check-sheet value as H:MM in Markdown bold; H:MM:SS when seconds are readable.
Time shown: **7:19**
